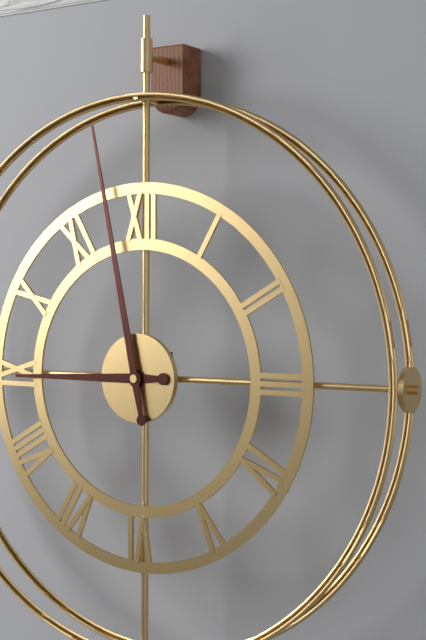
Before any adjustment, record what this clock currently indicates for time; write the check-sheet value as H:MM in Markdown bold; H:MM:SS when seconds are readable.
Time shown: **8:58**
